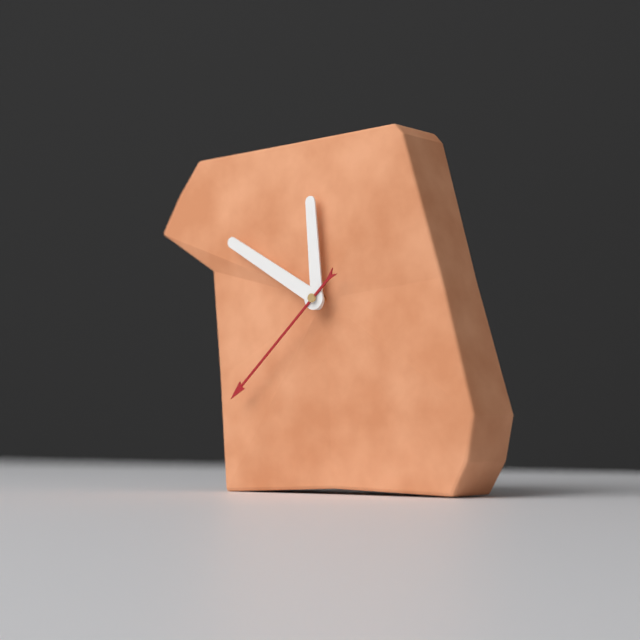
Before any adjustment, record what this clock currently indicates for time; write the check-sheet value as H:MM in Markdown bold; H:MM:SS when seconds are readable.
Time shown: **11:50:38**
